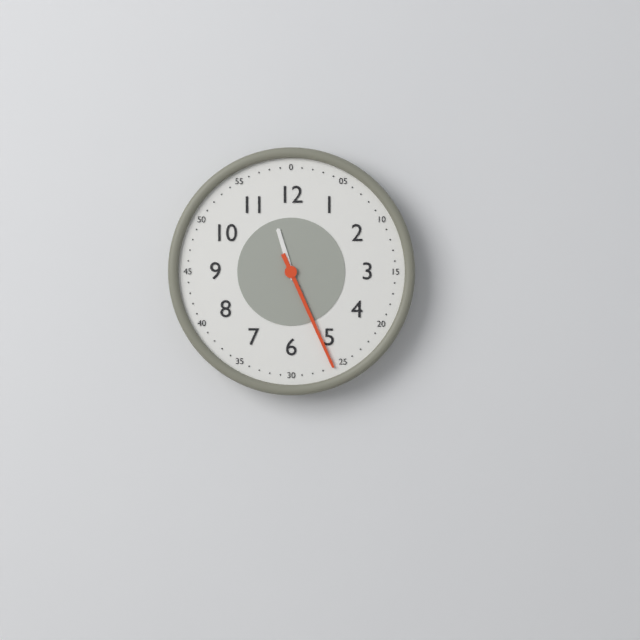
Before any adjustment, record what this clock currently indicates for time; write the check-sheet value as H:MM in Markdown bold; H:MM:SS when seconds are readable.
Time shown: **11:26**
